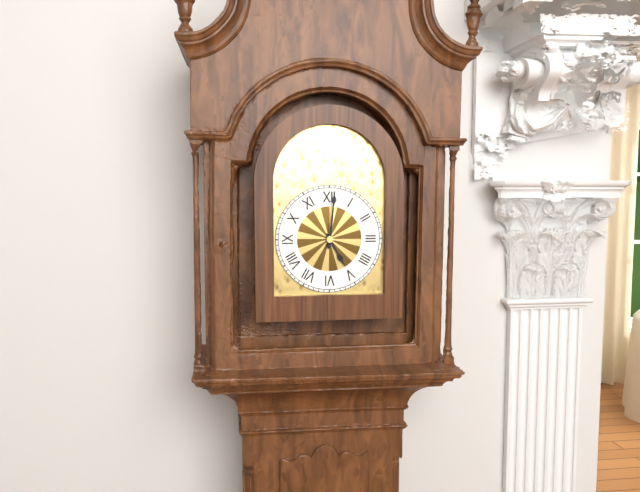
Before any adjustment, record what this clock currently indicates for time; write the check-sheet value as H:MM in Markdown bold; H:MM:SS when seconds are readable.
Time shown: **5:01**
